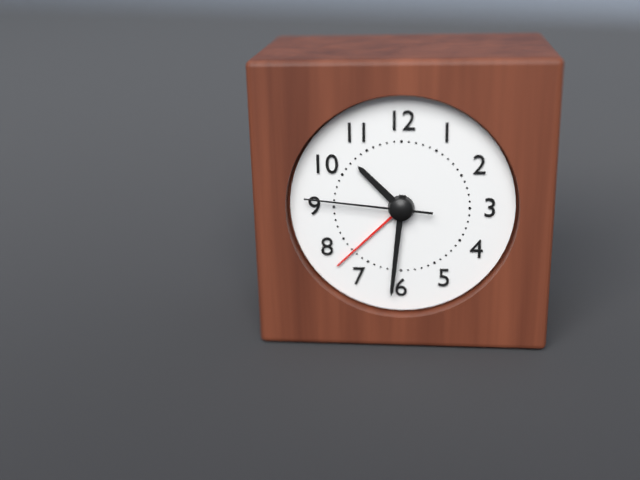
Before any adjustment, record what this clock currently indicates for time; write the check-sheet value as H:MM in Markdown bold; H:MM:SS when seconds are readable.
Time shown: **10:31:46**
